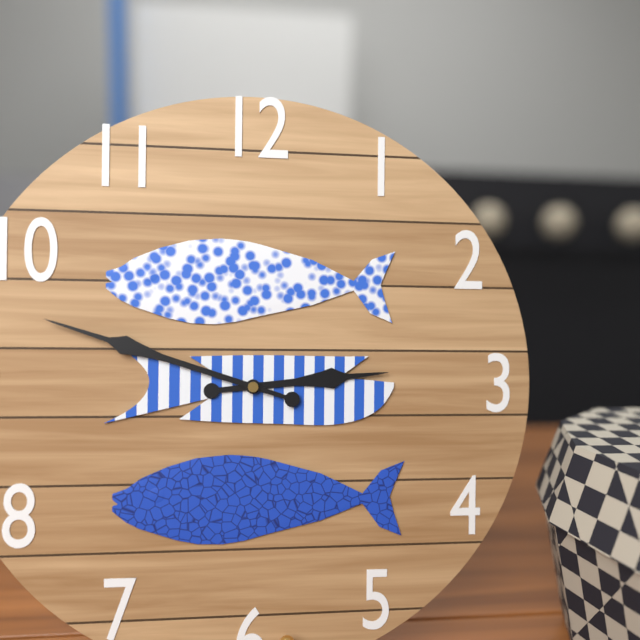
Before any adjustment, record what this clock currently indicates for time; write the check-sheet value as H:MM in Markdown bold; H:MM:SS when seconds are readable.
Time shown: **2:48**
